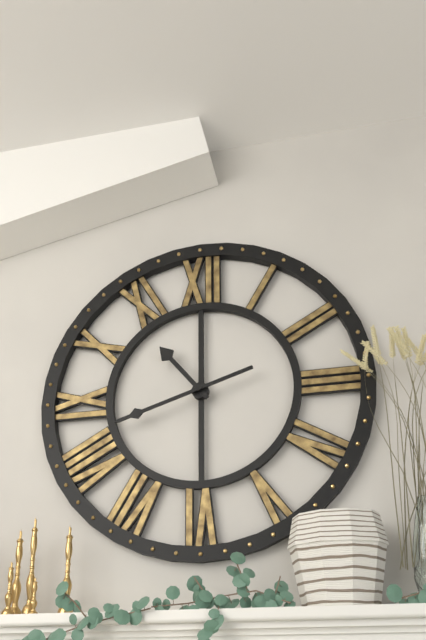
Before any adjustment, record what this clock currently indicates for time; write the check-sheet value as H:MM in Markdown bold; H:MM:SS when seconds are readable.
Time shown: **10:42**
